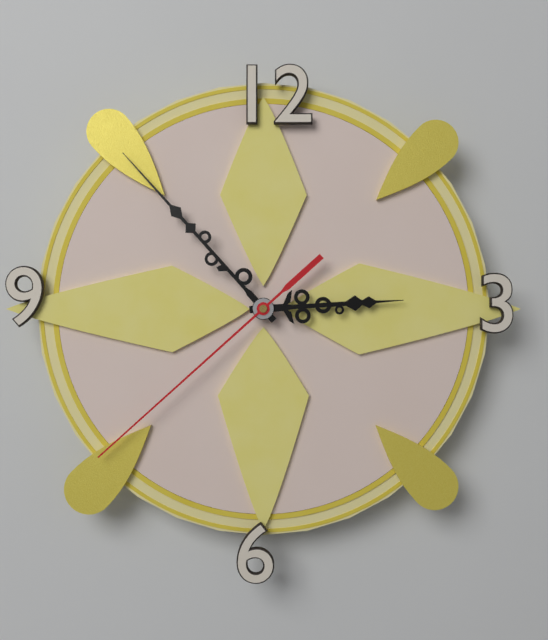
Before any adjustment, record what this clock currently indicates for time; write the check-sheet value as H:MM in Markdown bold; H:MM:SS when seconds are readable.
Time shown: **2:53:38**
